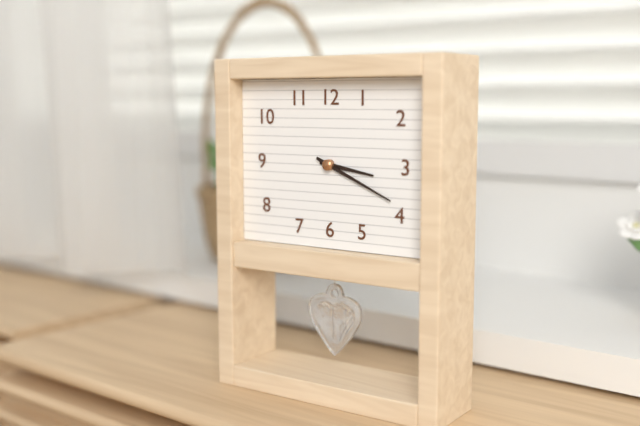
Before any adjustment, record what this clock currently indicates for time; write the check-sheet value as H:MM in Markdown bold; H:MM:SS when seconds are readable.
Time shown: **3:19**
